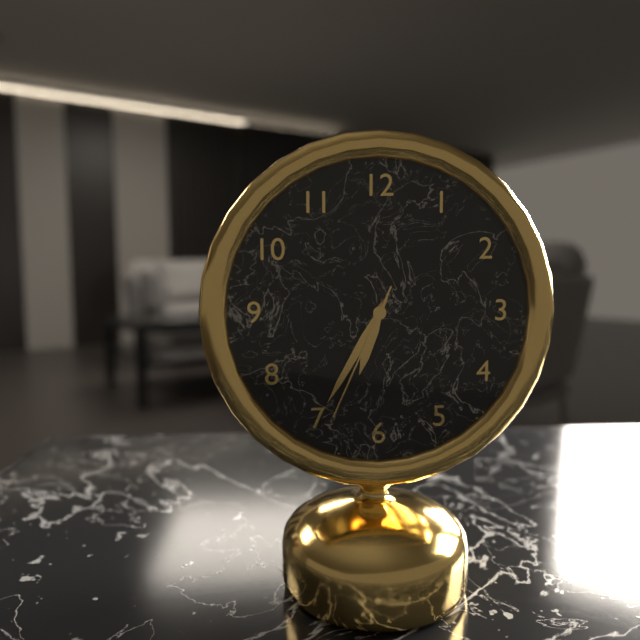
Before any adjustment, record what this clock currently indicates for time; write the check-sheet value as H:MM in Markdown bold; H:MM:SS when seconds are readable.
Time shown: **6:35:34**
